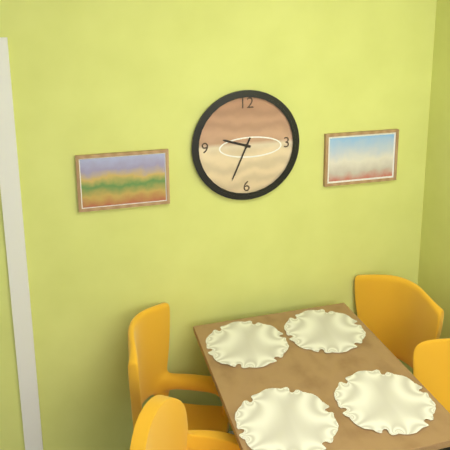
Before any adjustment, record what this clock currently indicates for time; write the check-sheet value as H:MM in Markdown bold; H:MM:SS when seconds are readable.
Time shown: **9:34**
